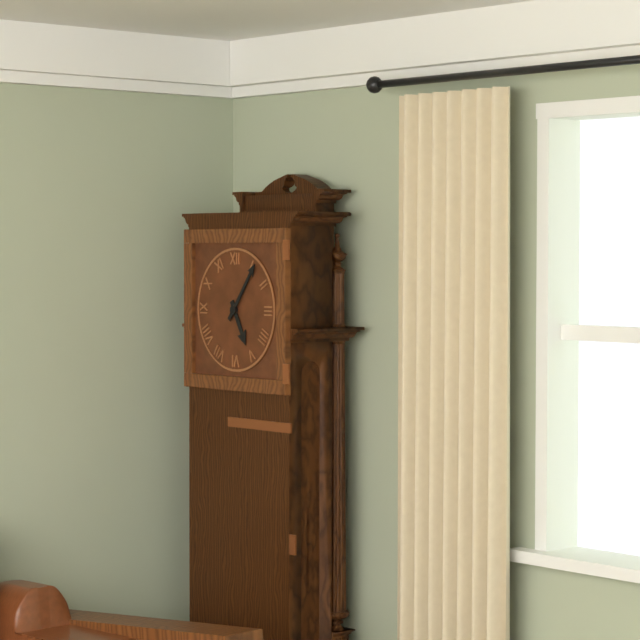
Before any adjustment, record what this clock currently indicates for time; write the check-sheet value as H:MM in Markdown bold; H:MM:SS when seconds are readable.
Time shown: **5:06**
